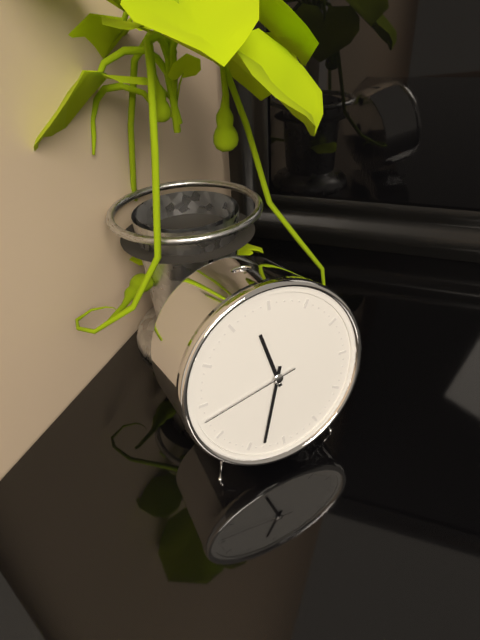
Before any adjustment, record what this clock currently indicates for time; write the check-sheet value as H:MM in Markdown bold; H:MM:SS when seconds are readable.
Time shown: **11:33:43**
